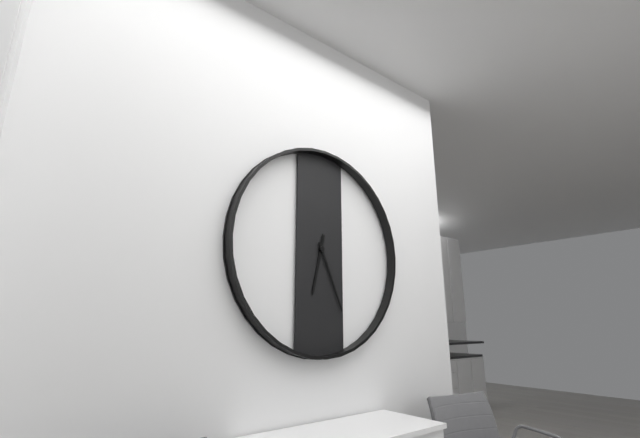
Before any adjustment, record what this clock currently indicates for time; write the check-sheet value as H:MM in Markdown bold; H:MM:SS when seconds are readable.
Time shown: **6:26**
